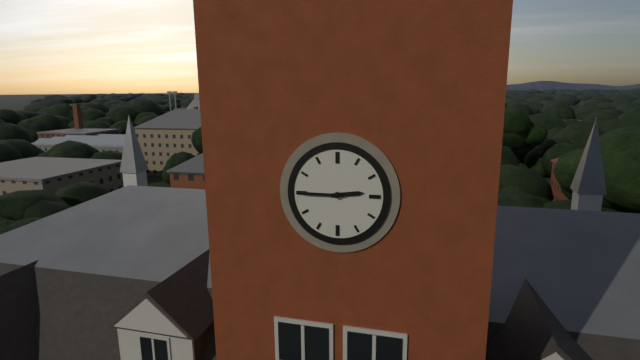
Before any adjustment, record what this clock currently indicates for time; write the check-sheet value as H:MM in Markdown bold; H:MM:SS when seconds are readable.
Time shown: **2:45**
